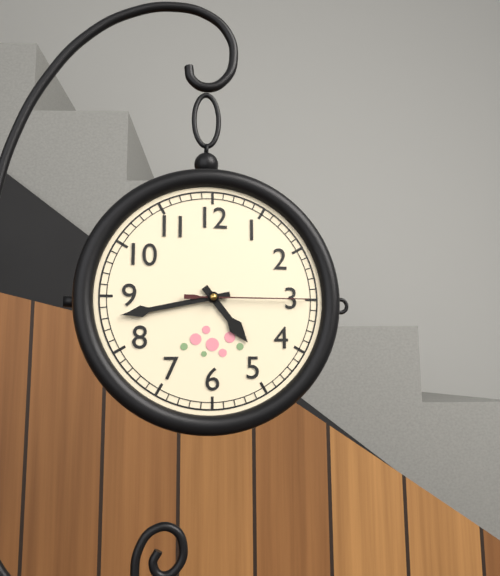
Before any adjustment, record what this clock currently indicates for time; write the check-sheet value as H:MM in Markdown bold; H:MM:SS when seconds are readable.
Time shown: **4:43:15**
